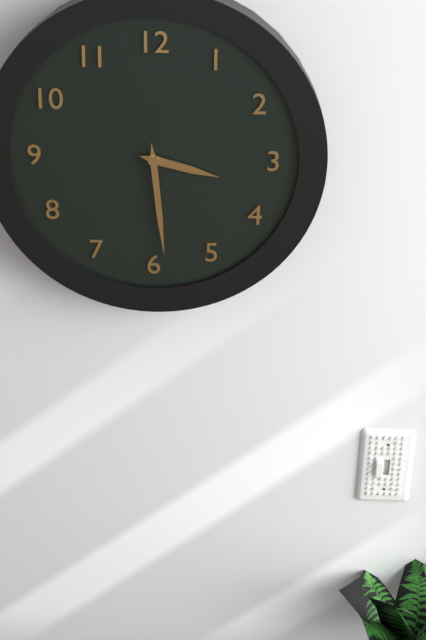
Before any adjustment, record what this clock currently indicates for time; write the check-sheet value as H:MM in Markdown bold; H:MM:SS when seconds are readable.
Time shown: **3:29**
